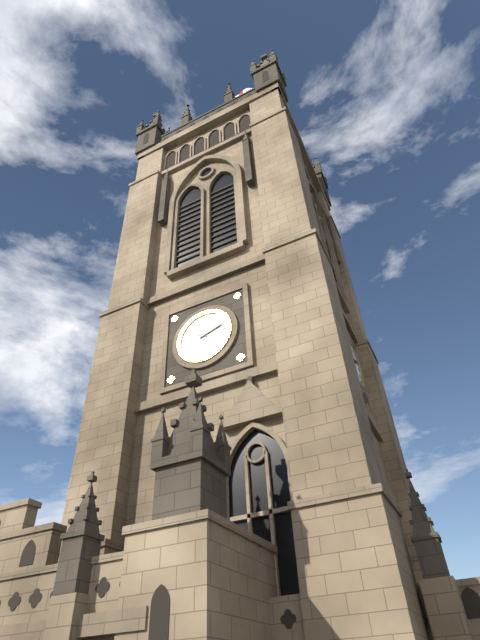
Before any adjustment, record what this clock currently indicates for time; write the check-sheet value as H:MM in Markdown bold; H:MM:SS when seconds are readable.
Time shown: **10:12**
